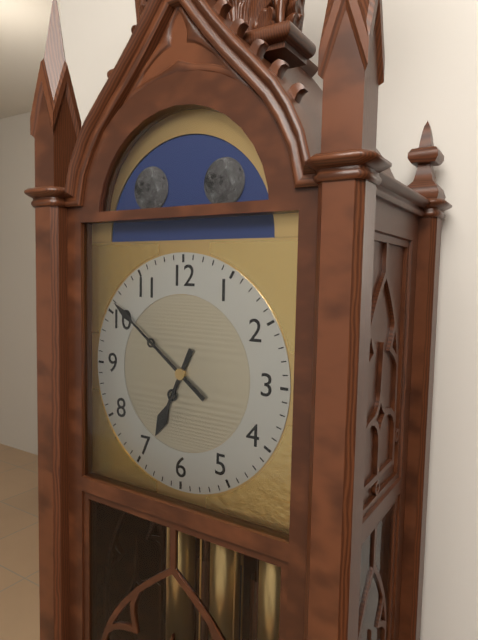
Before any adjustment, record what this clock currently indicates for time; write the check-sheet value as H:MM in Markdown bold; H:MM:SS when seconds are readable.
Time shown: **6:51**
